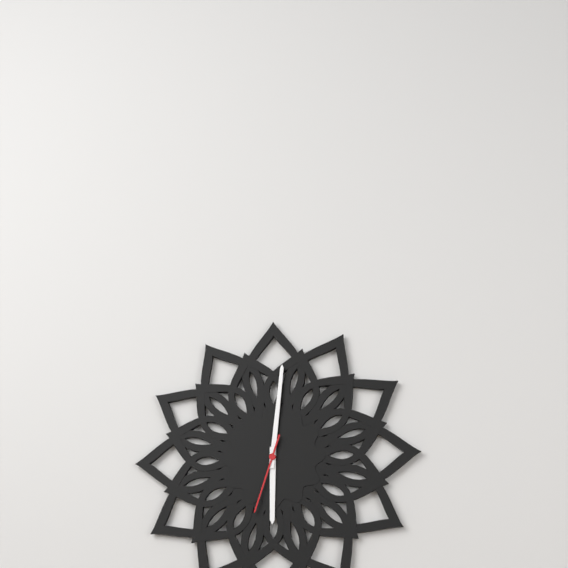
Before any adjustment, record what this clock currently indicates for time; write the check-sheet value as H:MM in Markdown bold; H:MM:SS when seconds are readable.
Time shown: **6:01:33**
